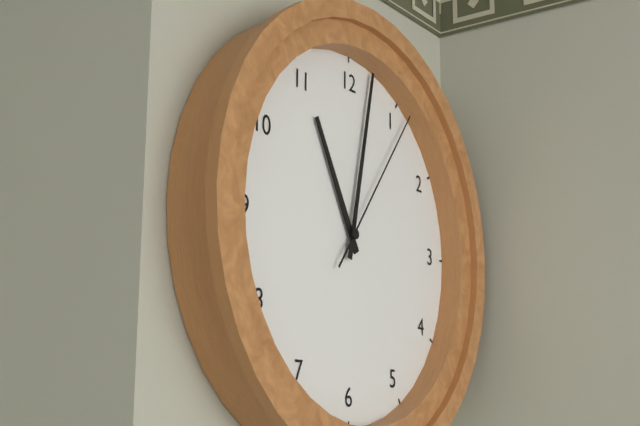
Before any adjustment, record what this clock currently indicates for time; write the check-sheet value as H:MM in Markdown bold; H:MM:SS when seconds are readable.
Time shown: **11:02:06**
